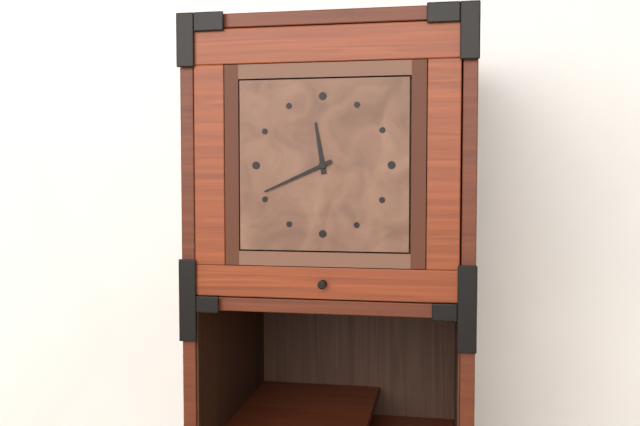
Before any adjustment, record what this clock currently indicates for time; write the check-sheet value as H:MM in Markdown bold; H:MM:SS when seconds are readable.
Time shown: **11:41**
